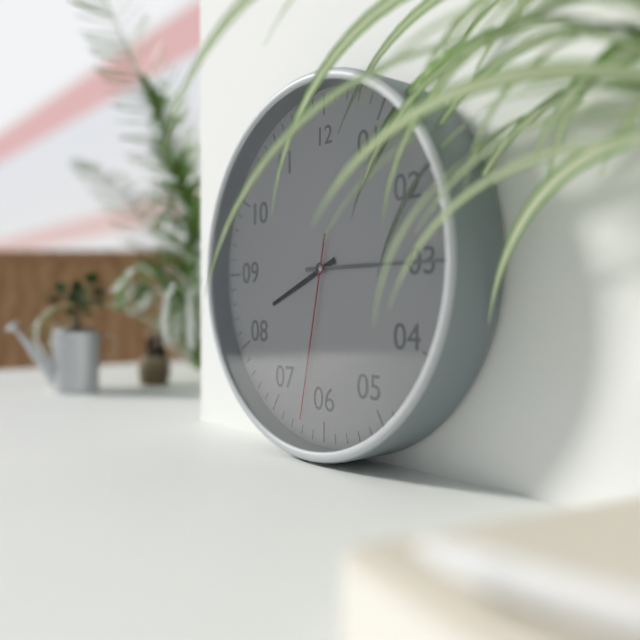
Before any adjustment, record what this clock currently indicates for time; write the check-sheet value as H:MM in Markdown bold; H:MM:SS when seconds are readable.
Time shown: **8:15:32**
